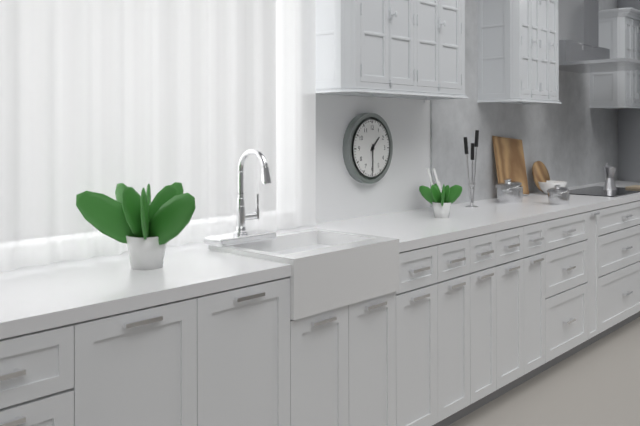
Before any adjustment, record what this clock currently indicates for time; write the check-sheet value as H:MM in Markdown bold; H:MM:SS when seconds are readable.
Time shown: **1:30**
